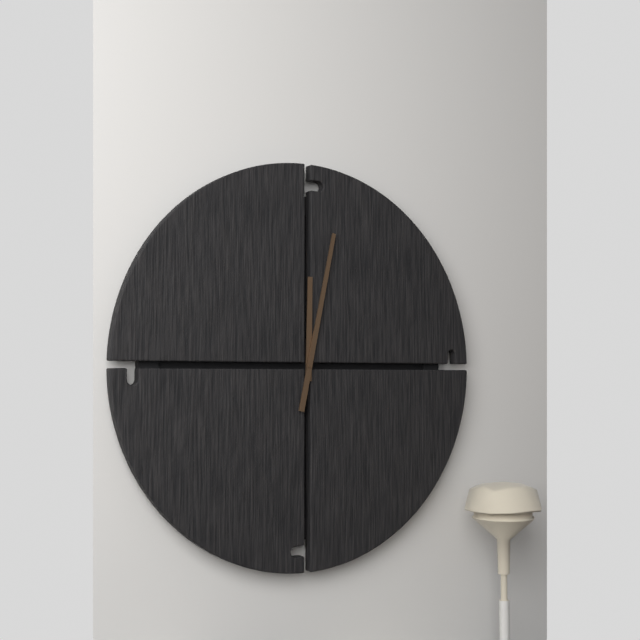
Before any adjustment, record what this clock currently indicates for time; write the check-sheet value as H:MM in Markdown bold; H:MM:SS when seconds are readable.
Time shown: **12:02**
